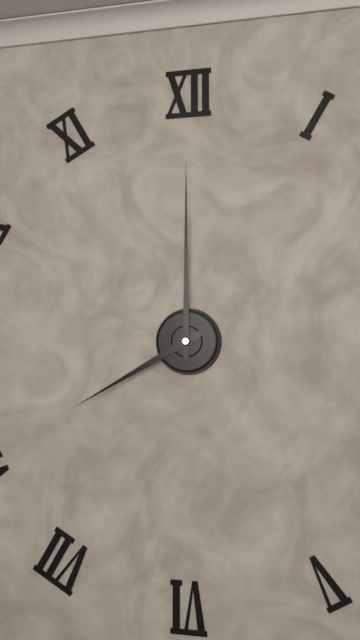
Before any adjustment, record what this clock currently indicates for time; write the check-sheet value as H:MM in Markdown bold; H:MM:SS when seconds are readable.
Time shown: **8:00**
